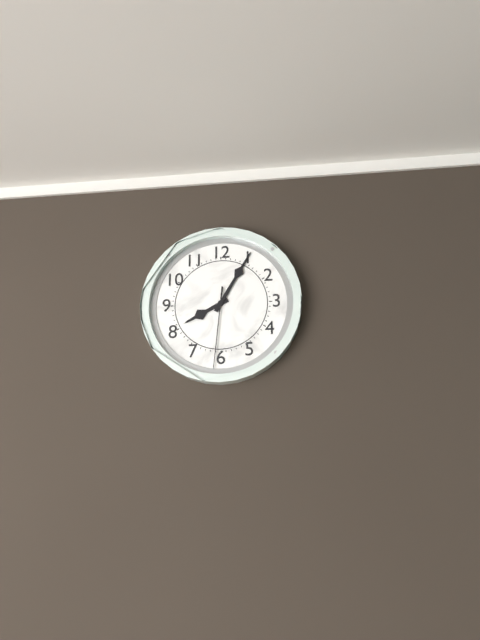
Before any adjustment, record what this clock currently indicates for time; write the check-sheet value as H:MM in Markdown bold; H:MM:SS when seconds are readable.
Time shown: **8:05:31**
